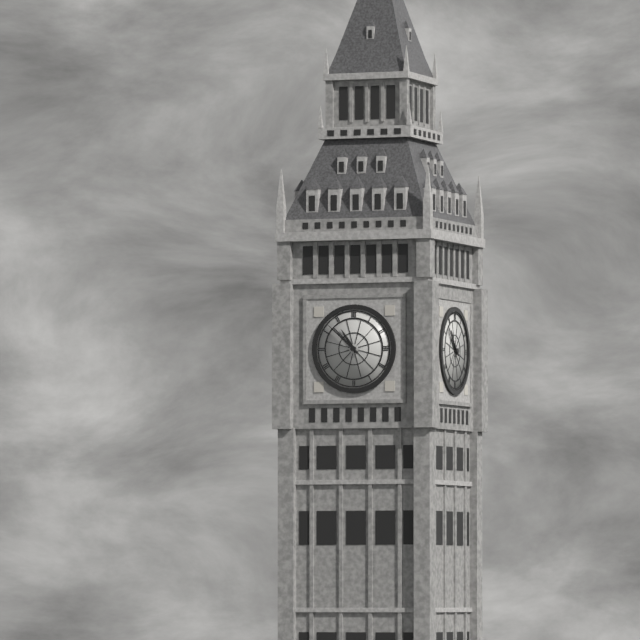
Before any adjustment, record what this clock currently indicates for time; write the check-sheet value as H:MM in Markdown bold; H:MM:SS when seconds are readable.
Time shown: **10:52**
